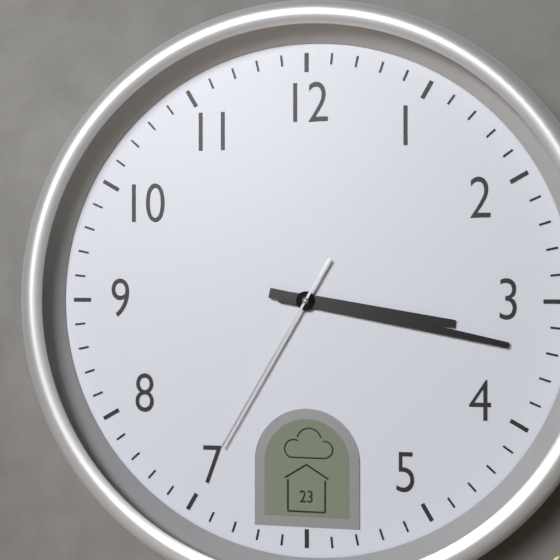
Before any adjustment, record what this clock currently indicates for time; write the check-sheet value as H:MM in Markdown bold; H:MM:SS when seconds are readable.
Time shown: **3:17:35**
